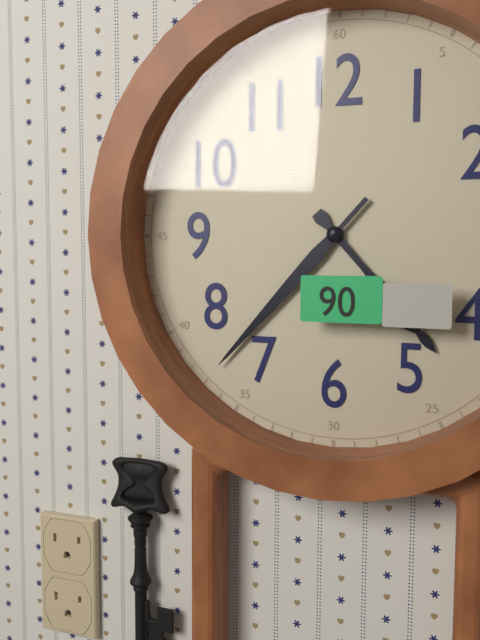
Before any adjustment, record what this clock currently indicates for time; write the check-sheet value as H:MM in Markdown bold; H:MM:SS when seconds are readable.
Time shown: **4:37**
